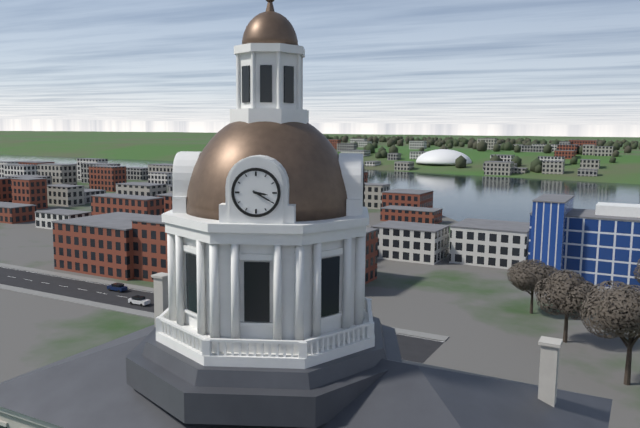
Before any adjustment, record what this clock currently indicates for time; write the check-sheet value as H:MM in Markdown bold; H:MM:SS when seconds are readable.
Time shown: **3:20**
